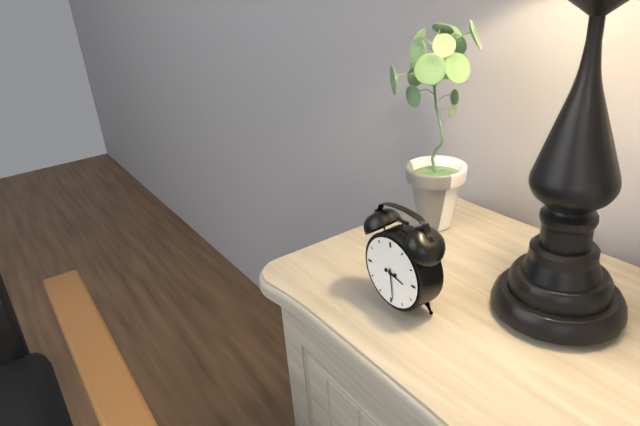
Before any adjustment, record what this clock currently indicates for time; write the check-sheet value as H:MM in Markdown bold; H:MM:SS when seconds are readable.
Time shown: **3:29**
